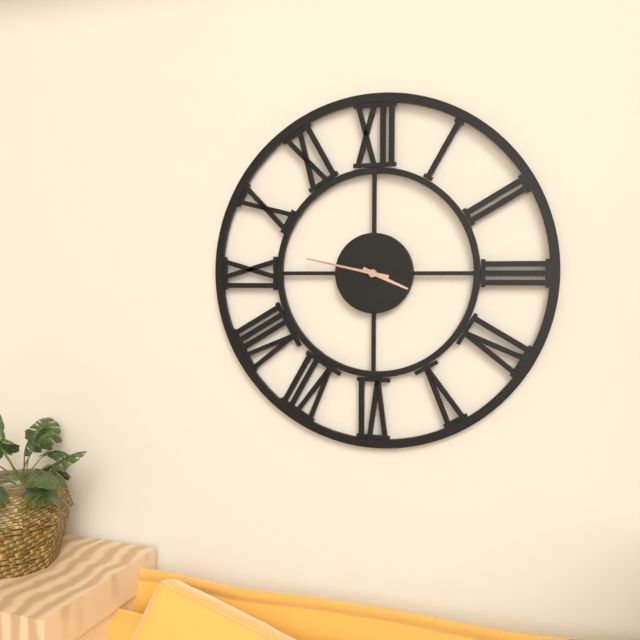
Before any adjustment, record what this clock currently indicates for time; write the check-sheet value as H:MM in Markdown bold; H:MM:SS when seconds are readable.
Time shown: **3:47**
